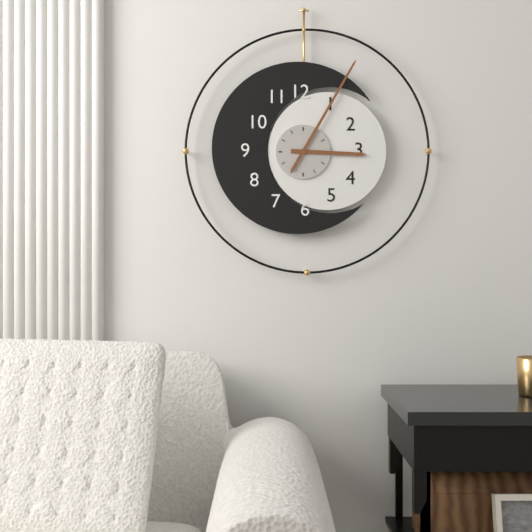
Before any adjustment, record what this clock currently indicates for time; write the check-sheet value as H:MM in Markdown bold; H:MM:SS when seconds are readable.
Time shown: **3:05**
